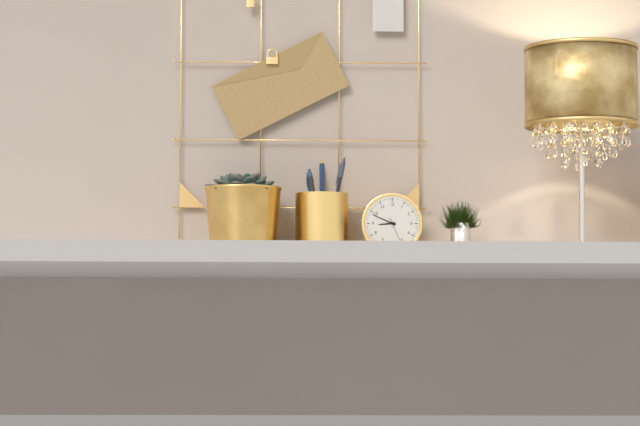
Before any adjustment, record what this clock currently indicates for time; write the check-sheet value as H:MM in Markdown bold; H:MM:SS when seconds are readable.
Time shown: **8:49**
